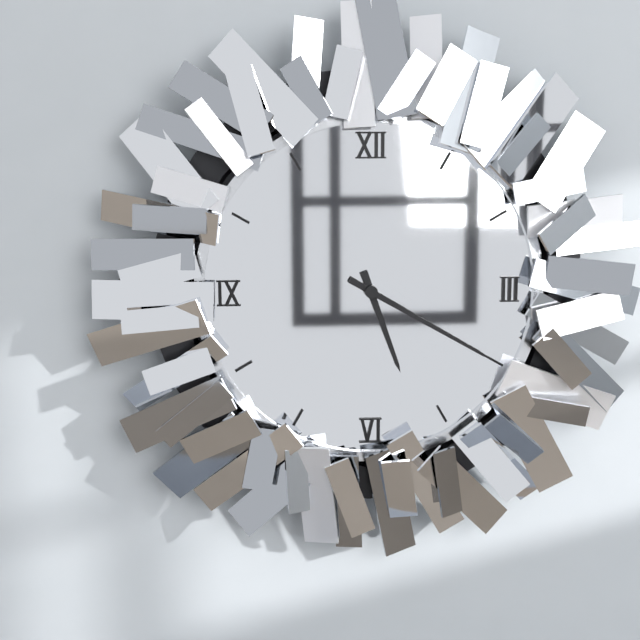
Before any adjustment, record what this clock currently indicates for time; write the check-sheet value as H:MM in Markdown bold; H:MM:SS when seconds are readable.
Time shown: **5:20**
